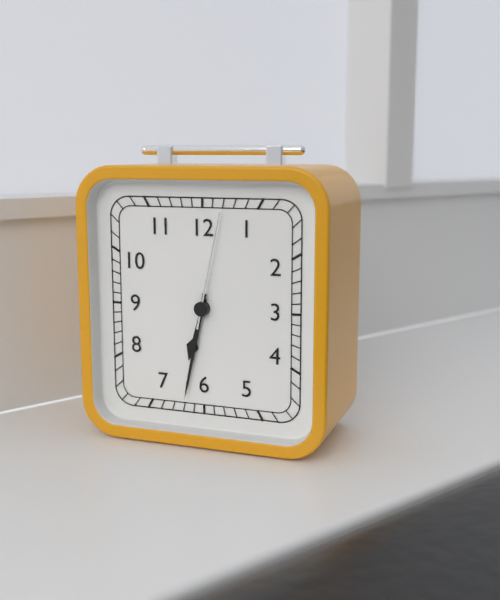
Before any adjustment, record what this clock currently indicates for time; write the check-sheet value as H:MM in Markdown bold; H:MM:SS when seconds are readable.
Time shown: **6:32:02**
